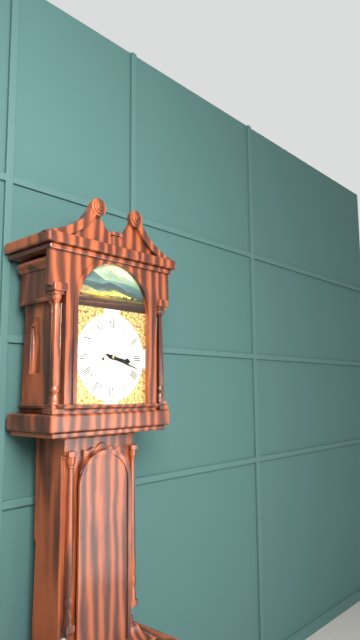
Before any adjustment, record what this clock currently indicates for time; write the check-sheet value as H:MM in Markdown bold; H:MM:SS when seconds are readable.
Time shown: **3:18**
